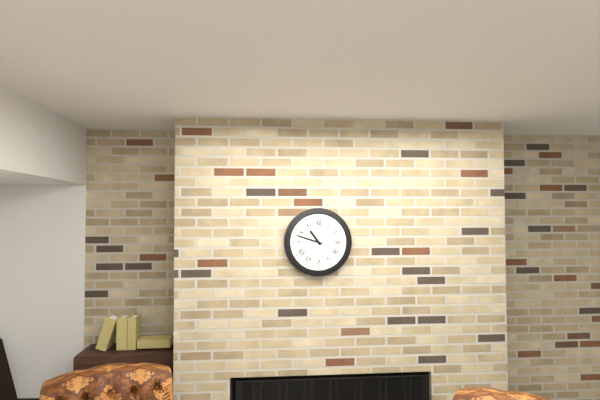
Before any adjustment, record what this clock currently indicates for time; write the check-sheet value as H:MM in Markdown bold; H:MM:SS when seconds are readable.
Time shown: **10:48**
